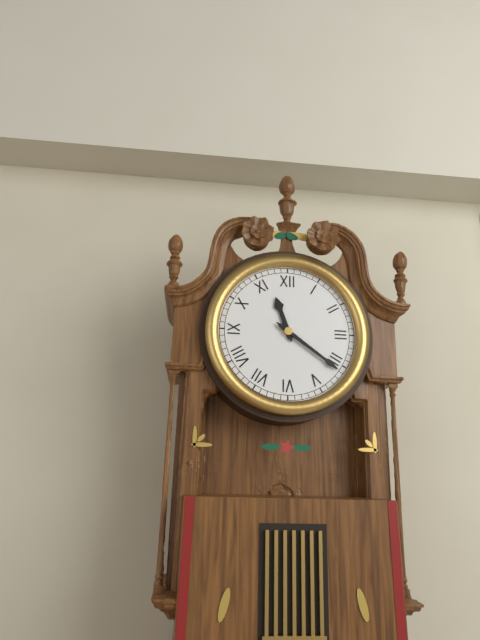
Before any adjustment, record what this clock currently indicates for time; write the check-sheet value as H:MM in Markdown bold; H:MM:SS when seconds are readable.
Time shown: **11:21**
